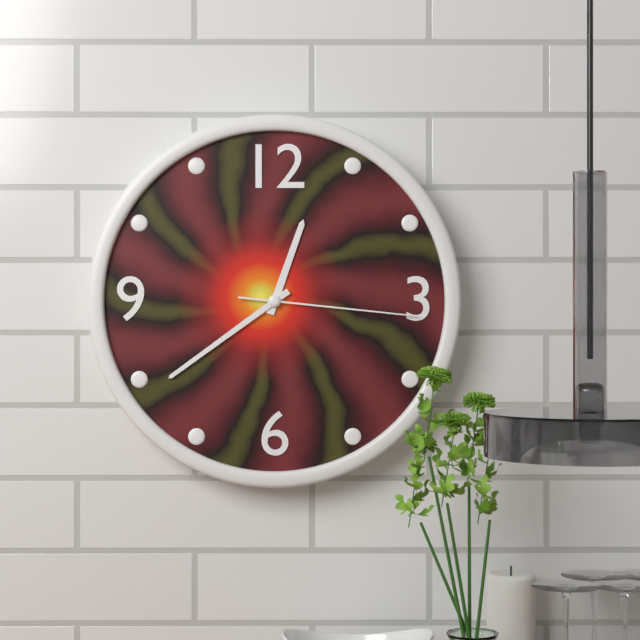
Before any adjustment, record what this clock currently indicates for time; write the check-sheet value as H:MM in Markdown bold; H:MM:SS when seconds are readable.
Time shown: **12:39:16**
